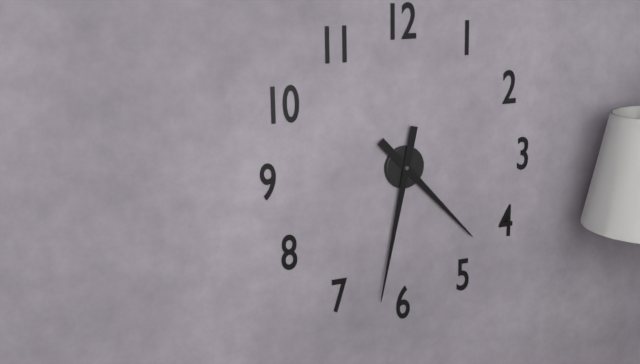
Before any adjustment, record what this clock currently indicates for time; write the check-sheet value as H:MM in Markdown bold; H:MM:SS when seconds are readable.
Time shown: **4:32**
